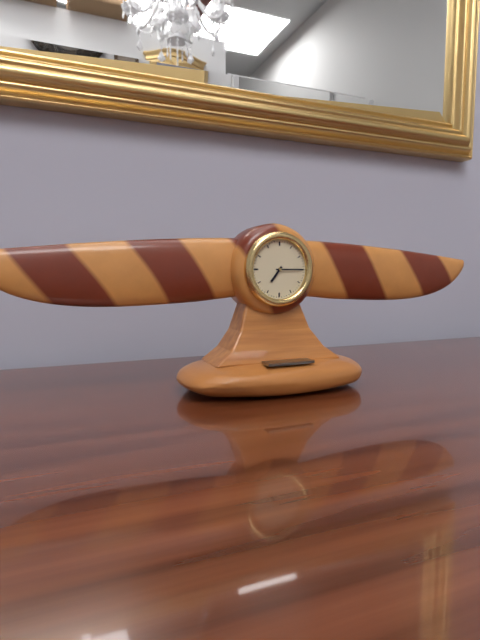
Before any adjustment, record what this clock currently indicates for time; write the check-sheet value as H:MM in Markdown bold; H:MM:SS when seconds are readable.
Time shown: **7:15**
